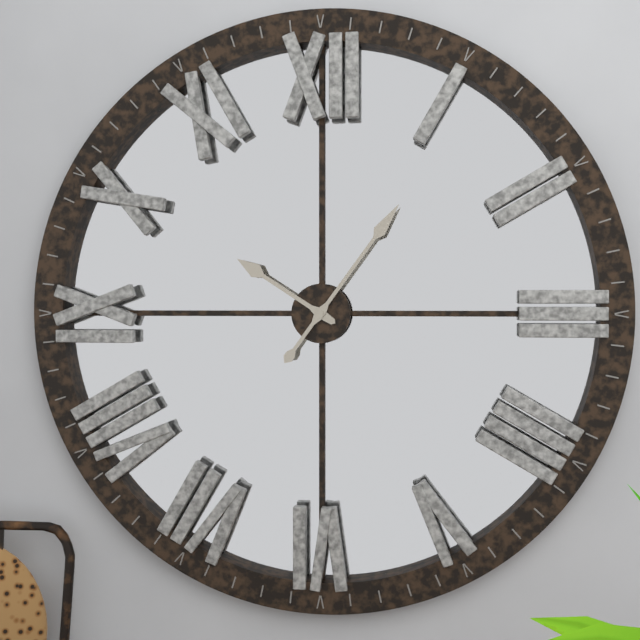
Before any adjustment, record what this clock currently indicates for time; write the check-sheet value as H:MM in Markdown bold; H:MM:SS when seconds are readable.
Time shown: **10:06**
